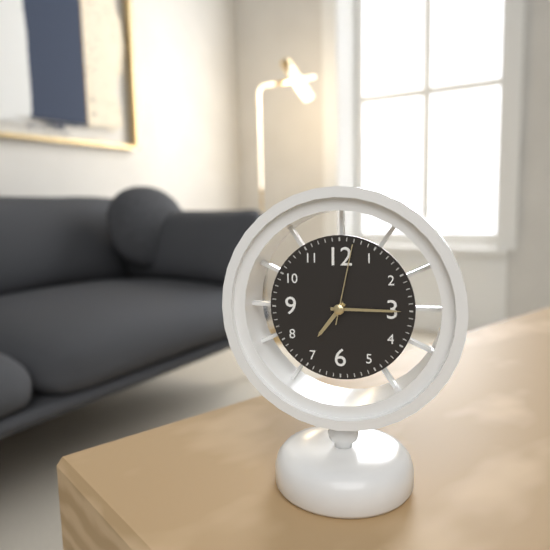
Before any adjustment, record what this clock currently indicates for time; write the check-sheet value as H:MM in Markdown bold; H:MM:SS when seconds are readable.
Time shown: **7:15:02**
